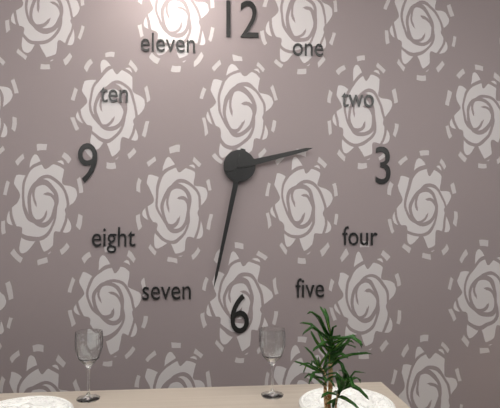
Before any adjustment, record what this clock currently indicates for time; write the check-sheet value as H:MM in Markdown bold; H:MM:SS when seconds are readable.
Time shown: **2:32**
